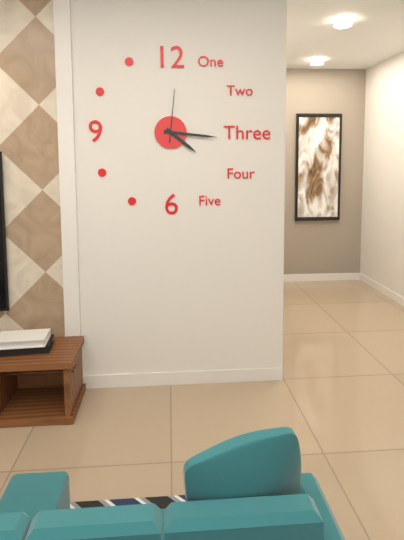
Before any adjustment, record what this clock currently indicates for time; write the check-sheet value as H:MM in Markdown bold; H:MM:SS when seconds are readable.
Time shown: **4:16:01**
